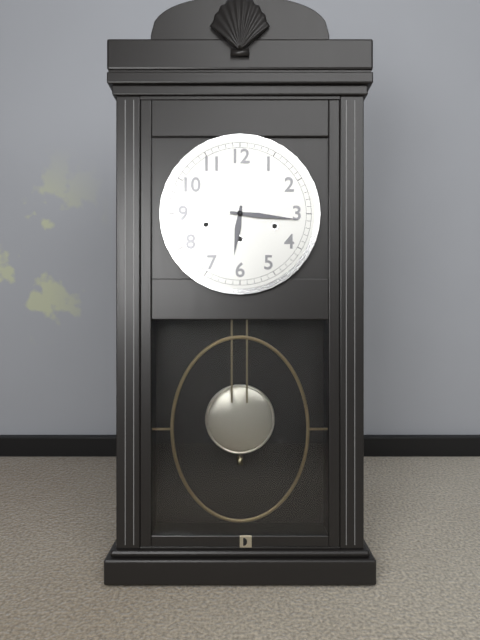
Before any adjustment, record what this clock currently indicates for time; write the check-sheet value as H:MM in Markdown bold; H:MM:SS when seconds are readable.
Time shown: **6:16**
